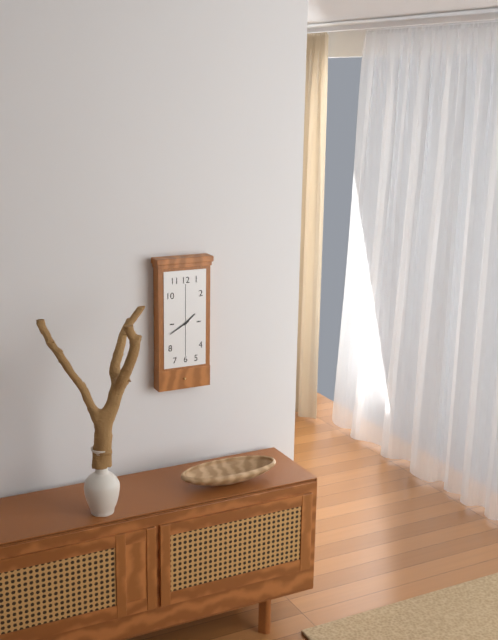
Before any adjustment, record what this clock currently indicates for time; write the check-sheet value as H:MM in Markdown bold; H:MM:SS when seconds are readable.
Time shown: **1:40**
